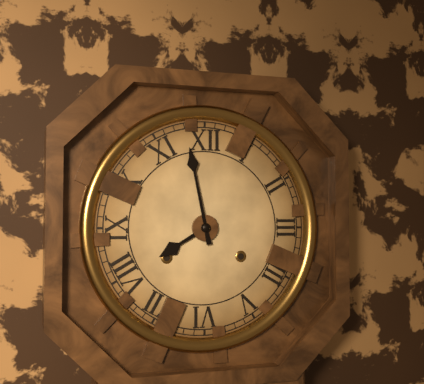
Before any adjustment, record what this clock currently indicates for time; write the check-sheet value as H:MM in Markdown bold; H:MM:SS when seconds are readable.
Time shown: **7:58**
